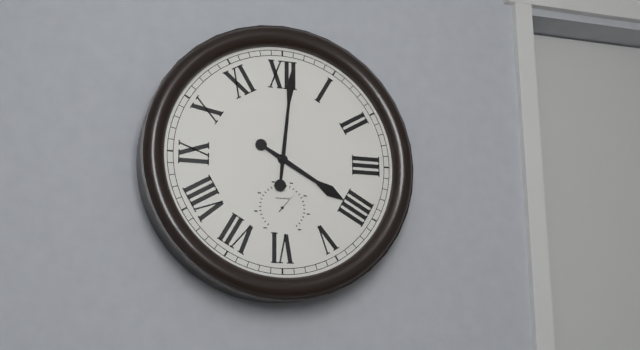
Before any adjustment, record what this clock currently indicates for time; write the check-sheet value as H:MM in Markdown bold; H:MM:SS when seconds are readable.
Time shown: **4:01**
